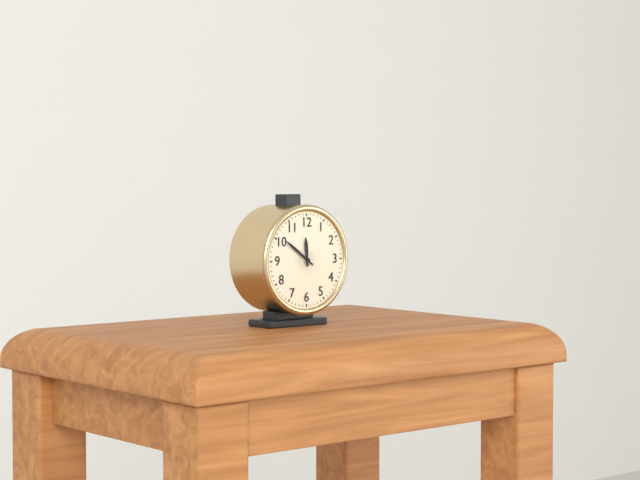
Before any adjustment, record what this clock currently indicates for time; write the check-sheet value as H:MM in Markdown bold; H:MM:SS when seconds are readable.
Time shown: **11:51**
